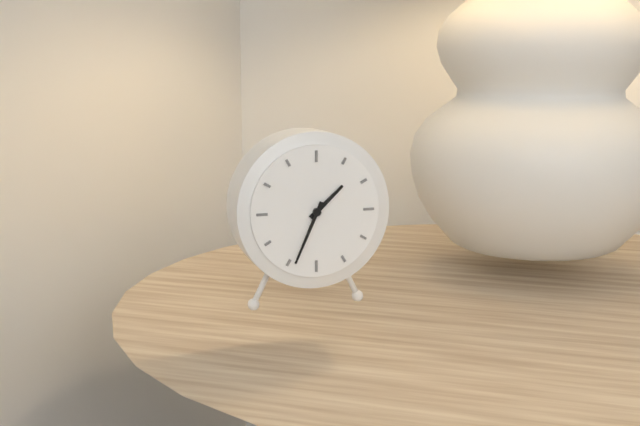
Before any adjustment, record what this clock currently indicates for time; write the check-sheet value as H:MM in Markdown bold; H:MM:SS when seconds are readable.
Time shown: **1:34**
